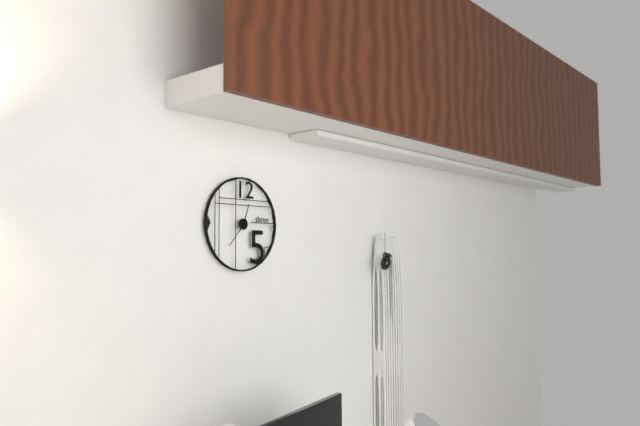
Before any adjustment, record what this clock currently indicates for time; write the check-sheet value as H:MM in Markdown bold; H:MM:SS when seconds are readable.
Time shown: **12:37**
